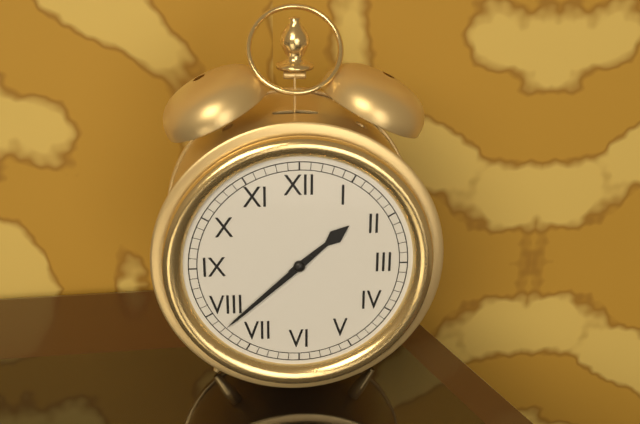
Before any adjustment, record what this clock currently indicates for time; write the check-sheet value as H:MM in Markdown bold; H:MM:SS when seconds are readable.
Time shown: **1:38**
